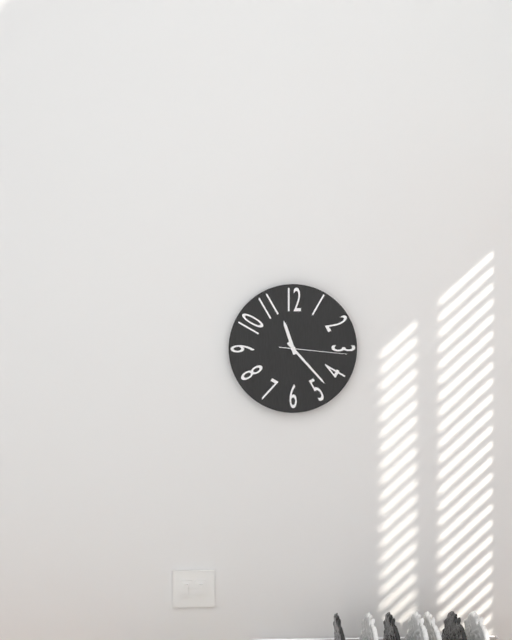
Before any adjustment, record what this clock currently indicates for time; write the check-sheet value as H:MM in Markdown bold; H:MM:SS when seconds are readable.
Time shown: **11:23:16**
